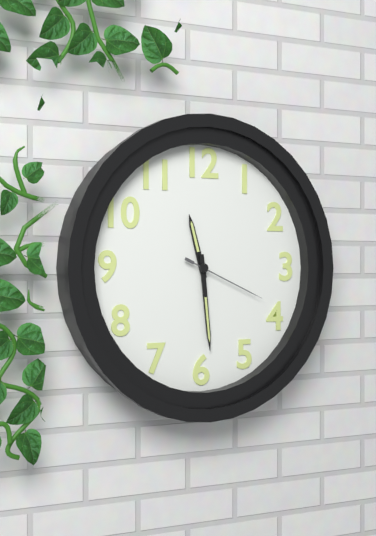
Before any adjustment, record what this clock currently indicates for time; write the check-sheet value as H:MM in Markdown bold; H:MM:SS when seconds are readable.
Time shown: **11:29:19**
